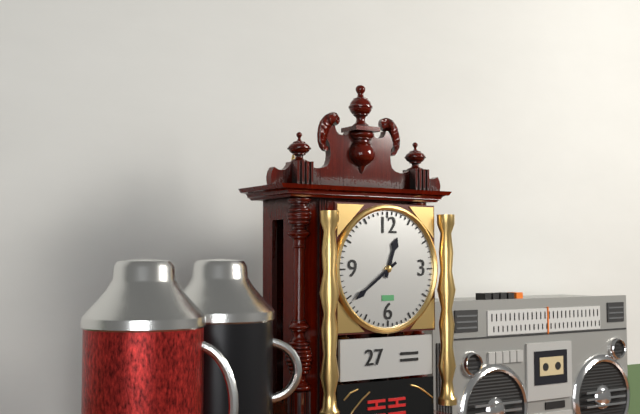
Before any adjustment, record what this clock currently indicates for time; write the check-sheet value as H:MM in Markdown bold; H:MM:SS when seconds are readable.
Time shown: **12:39**
